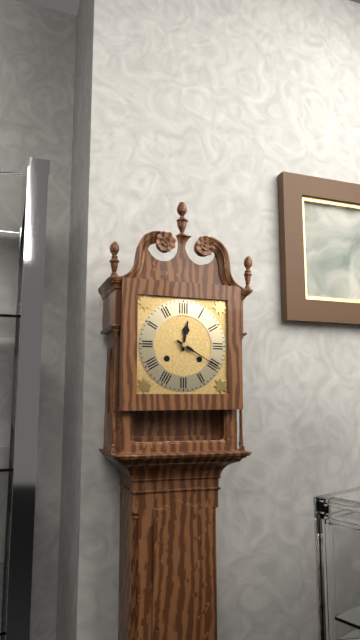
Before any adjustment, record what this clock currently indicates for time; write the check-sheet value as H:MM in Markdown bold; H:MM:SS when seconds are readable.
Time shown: **12:20**
